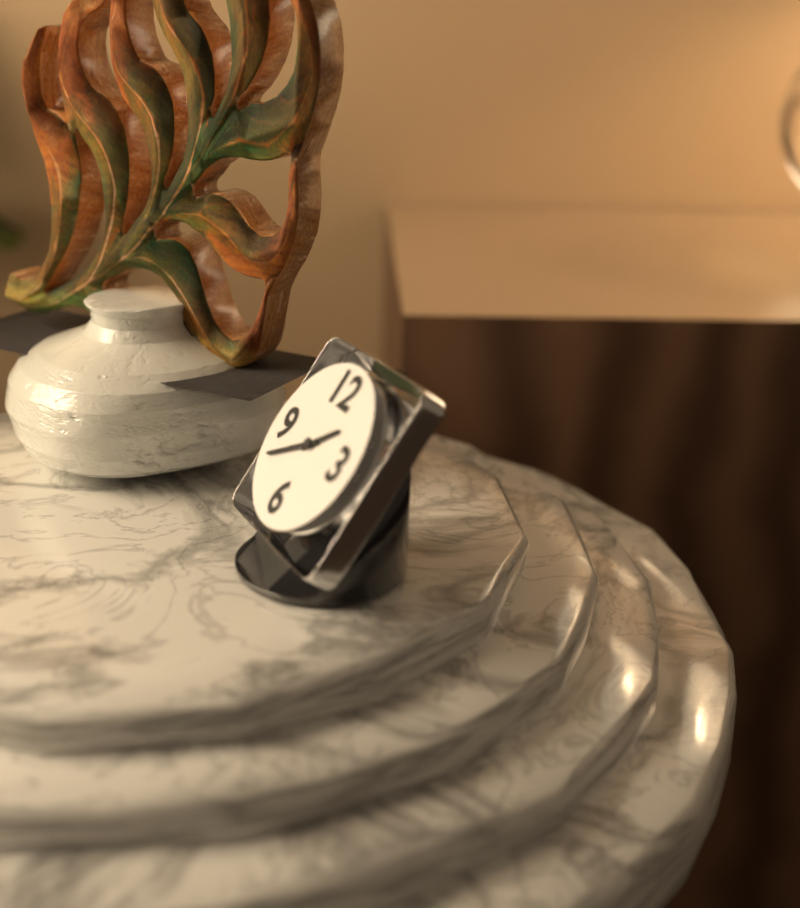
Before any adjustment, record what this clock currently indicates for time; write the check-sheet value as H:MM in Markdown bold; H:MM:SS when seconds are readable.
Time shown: **1:40**
